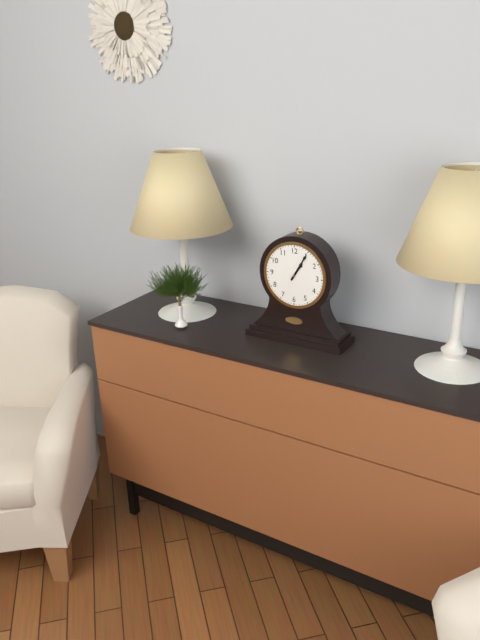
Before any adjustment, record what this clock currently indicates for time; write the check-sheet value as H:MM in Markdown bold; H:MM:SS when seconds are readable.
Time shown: **1:05**
